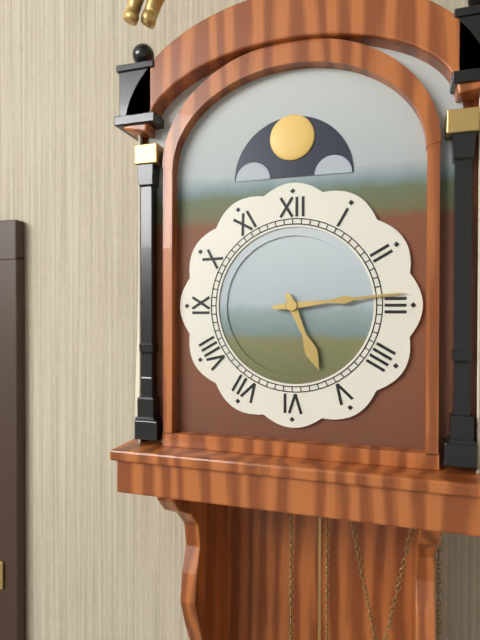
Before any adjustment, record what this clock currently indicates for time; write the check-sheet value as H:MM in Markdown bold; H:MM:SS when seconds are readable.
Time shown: **5:14**
